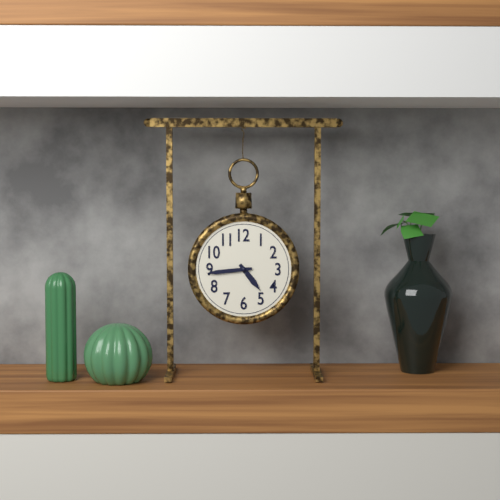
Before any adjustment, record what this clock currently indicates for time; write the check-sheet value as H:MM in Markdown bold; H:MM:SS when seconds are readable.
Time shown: **4:44**
